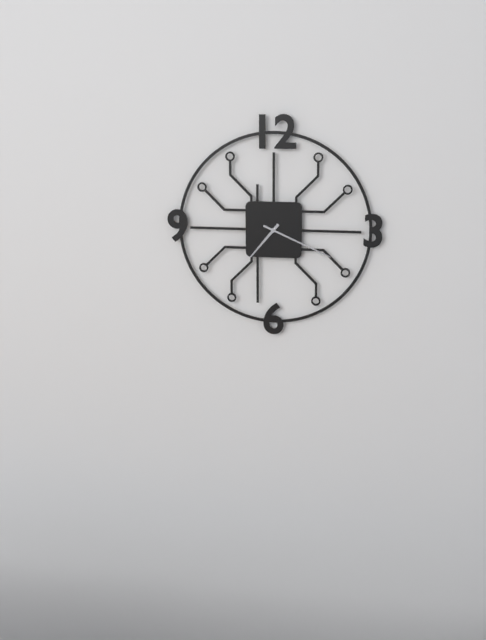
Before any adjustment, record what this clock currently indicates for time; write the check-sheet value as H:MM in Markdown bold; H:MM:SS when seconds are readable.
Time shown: **7:19**
